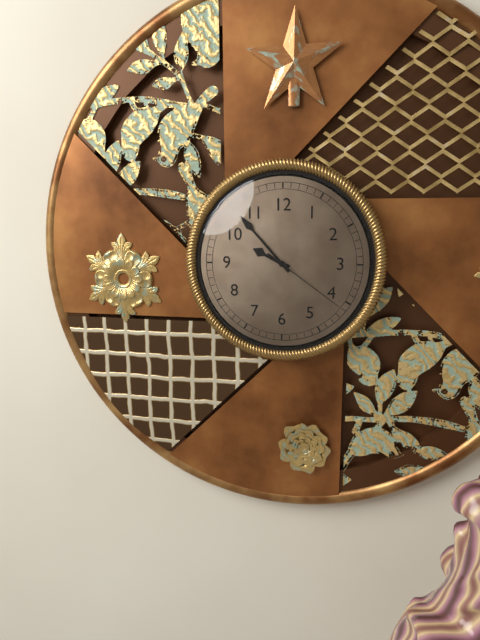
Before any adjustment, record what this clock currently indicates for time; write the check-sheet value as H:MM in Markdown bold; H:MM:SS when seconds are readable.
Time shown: **9:53:21**
